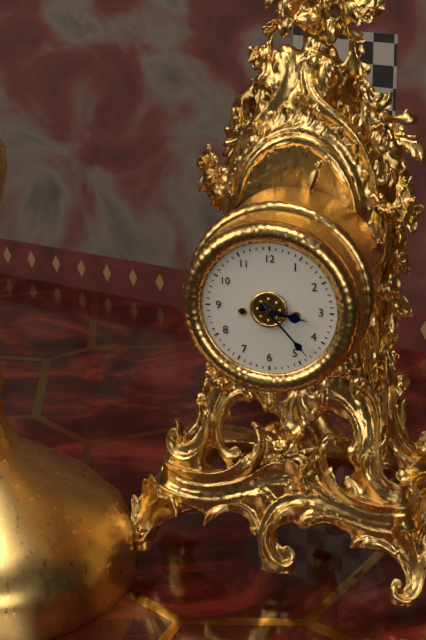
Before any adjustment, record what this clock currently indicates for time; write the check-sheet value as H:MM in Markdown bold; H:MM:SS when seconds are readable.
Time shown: **3:23**
